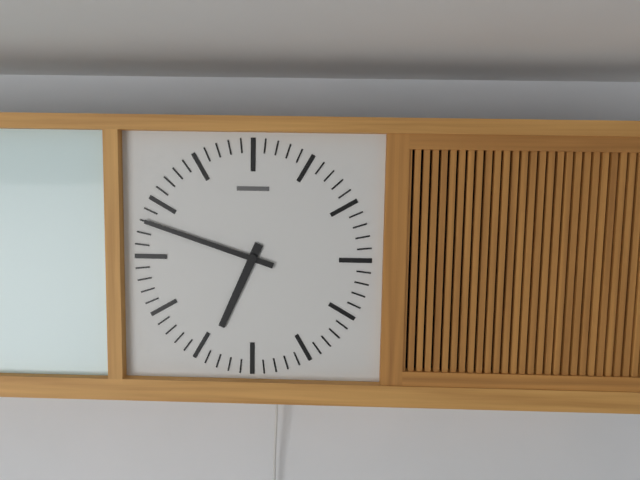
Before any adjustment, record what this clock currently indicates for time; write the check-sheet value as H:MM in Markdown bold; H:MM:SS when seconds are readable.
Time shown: **6:48**
